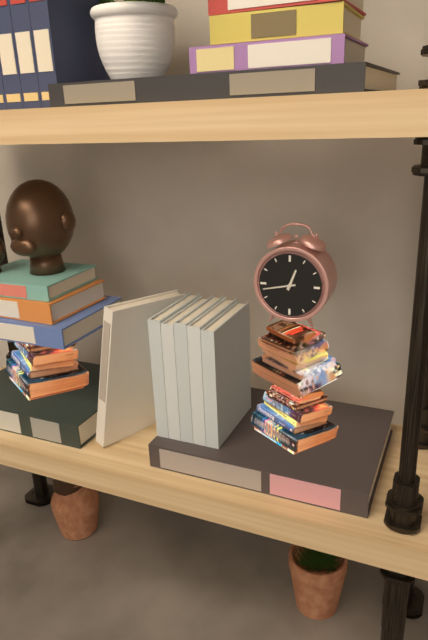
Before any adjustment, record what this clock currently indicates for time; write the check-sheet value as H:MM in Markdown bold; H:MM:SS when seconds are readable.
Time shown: **12:43**
